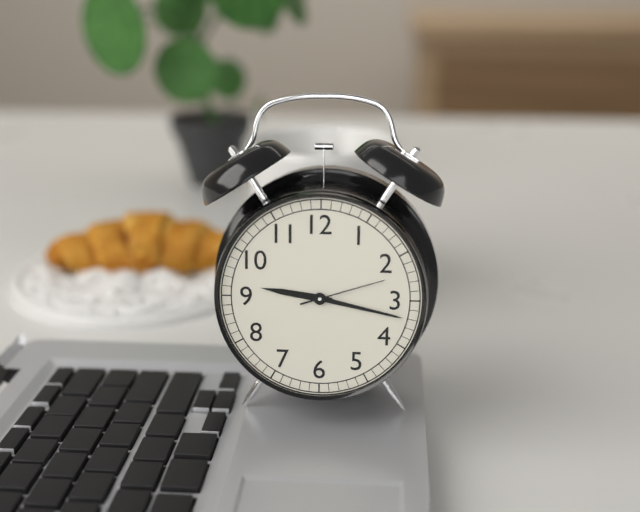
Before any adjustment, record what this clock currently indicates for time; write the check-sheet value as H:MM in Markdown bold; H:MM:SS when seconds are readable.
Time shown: **9:17:12**
